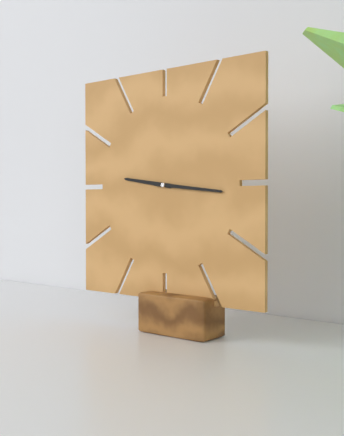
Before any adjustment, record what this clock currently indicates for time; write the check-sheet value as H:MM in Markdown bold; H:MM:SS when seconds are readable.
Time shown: **9:16**
